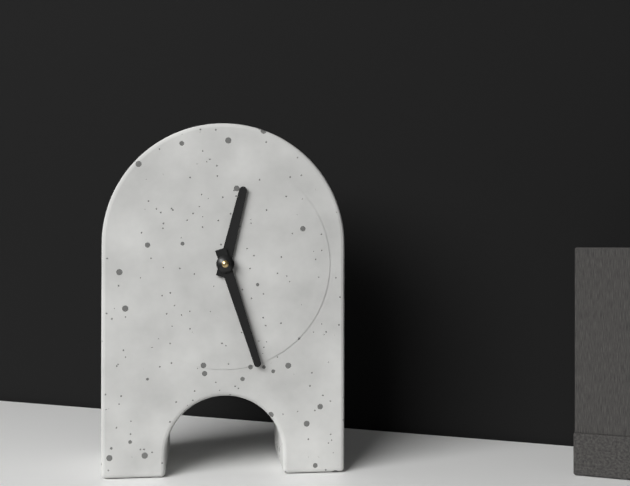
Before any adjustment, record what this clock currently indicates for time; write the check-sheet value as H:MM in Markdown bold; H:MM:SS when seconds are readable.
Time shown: **12:27**
